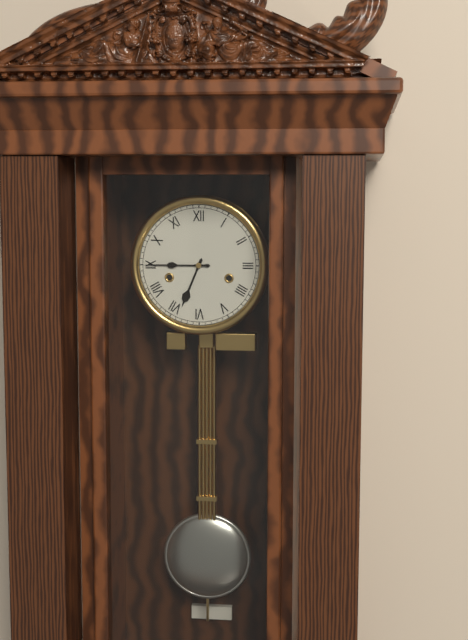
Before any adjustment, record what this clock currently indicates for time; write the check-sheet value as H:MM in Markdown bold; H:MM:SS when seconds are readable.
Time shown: **6:45**
